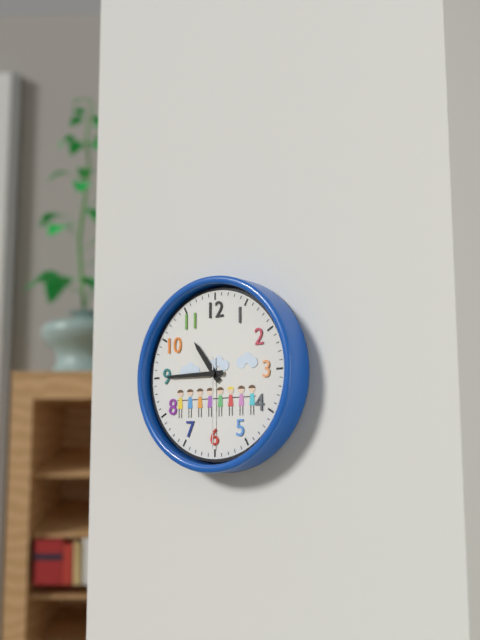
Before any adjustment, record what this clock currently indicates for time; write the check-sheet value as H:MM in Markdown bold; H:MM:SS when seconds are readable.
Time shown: **10:45:30**
